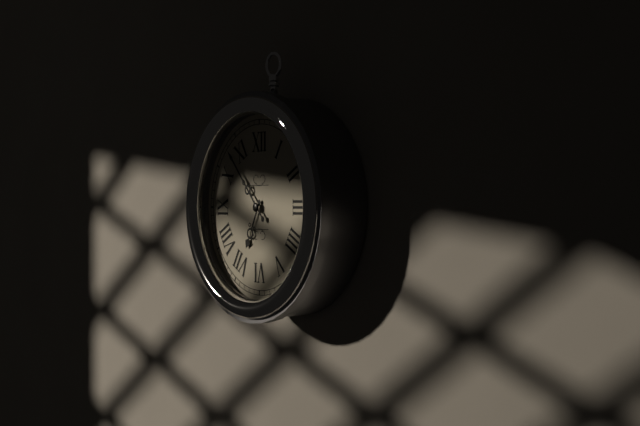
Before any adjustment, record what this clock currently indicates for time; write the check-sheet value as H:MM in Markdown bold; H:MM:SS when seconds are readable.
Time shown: **6:53**
